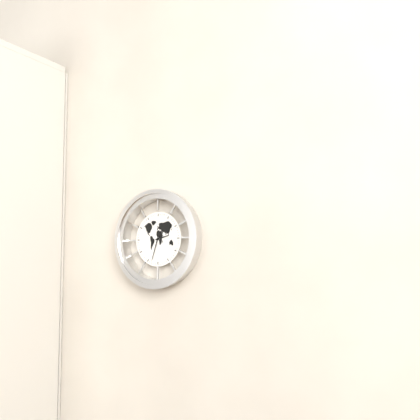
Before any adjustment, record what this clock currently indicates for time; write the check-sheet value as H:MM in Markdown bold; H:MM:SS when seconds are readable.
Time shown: **2:33**
